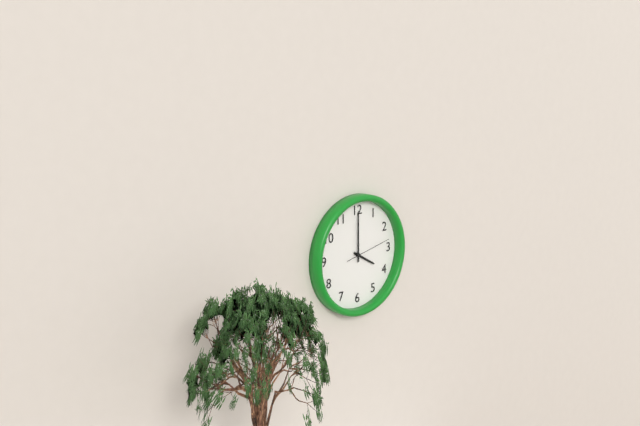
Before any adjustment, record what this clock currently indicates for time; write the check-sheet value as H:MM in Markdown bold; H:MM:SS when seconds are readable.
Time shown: **4:00**
